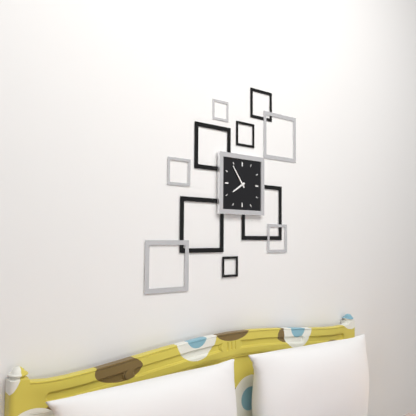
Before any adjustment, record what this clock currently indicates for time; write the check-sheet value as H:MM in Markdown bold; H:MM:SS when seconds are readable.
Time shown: **7:54**
